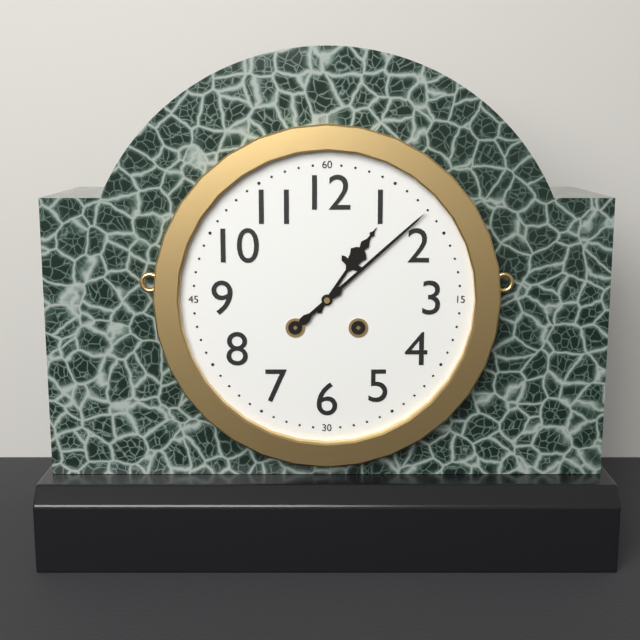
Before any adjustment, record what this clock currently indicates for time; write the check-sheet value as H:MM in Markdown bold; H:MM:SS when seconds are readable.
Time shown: **1:08**
